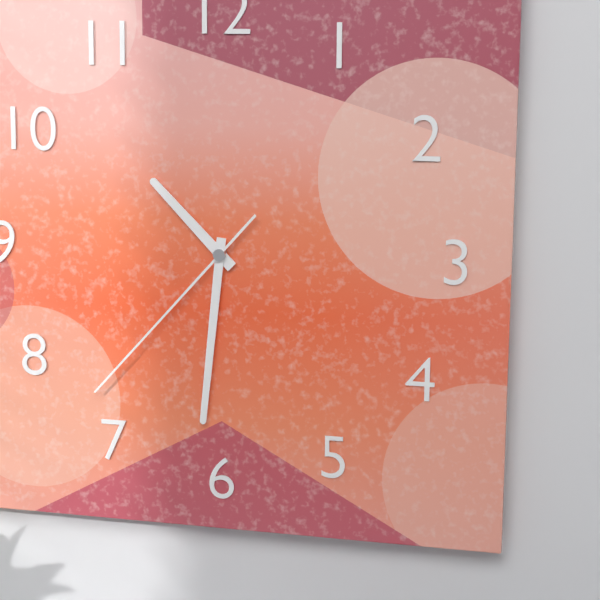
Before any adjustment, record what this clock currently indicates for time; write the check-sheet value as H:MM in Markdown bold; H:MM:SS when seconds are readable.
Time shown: **10:31:37**
